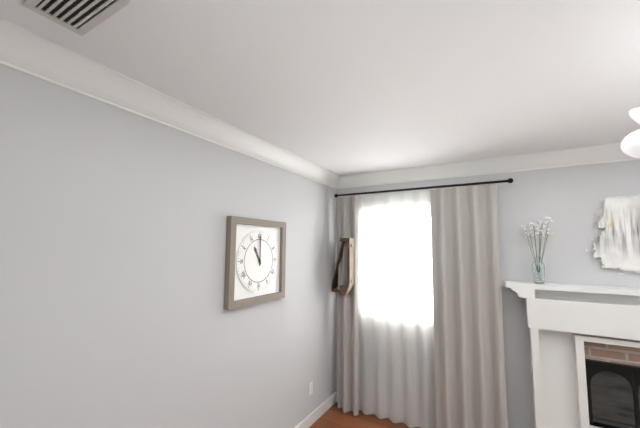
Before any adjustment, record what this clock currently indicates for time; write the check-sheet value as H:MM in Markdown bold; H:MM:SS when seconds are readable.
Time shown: **11:00**
